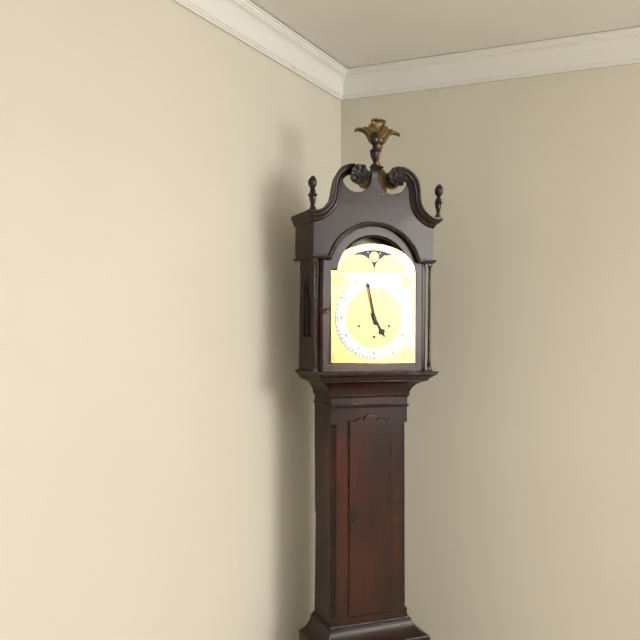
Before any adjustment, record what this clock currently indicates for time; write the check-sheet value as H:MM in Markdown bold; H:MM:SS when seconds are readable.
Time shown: **4:58**
